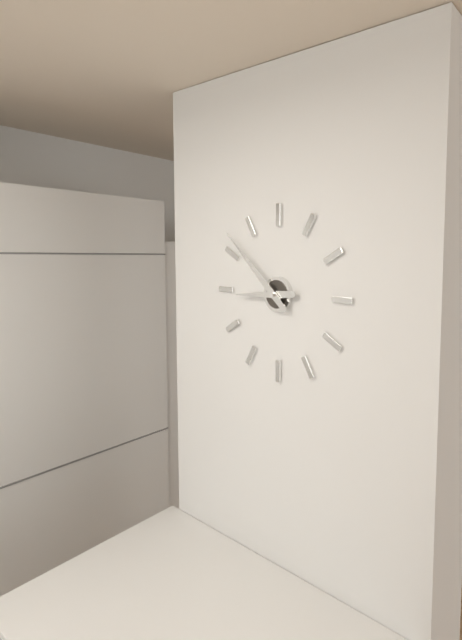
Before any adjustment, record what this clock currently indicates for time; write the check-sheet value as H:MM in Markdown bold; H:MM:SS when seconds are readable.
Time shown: **8:52**
